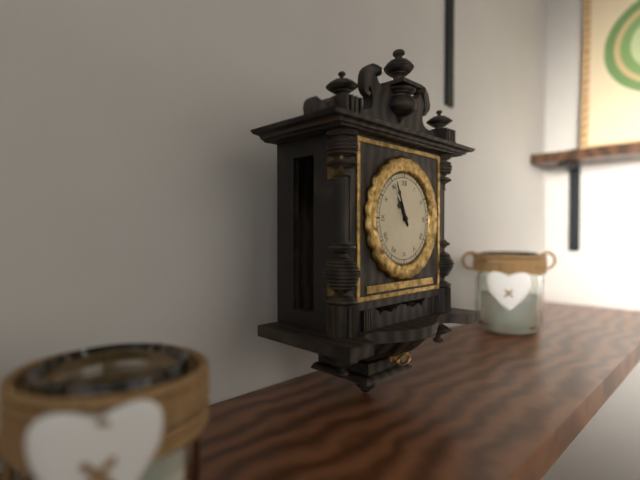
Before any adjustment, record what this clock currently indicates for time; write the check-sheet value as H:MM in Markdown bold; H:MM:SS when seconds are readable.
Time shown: **10:56**
